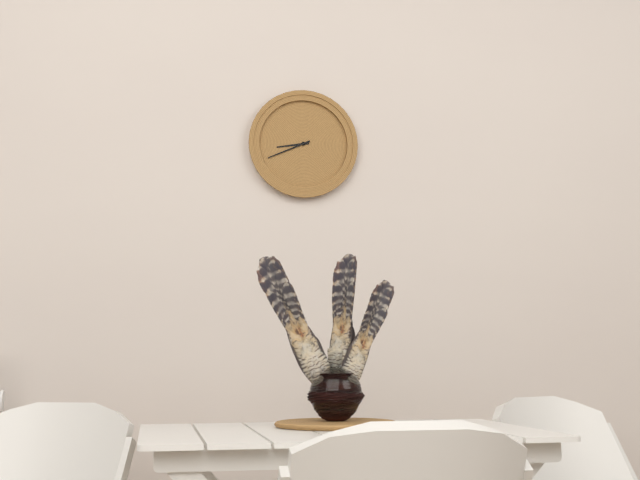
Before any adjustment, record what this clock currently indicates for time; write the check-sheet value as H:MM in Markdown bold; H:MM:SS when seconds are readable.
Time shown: **8:41**
